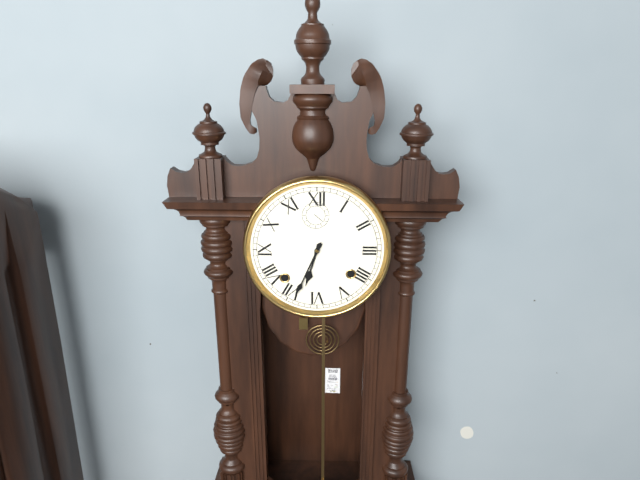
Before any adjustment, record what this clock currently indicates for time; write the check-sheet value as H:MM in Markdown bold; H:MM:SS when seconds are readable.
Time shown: **6:34**
